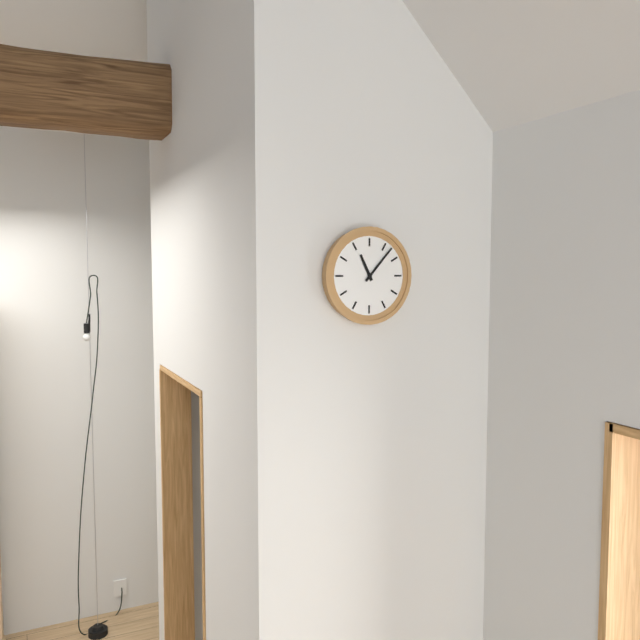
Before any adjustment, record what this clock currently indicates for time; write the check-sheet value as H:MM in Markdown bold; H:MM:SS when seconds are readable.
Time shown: **11:07**
